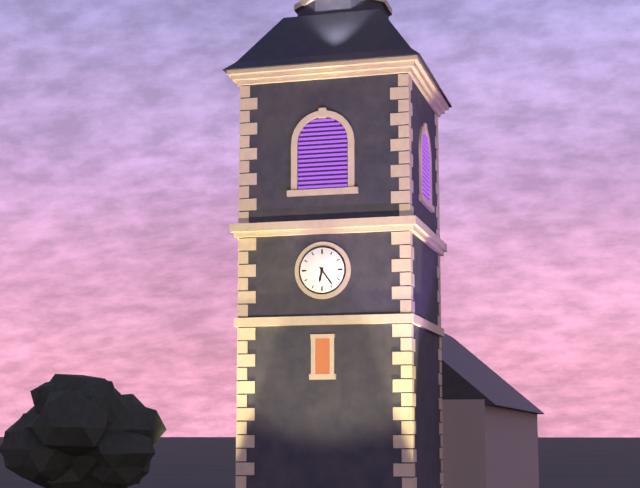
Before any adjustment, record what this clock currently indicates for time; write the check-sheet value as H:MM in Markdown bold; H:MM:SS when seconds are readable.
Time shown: **6:24**
